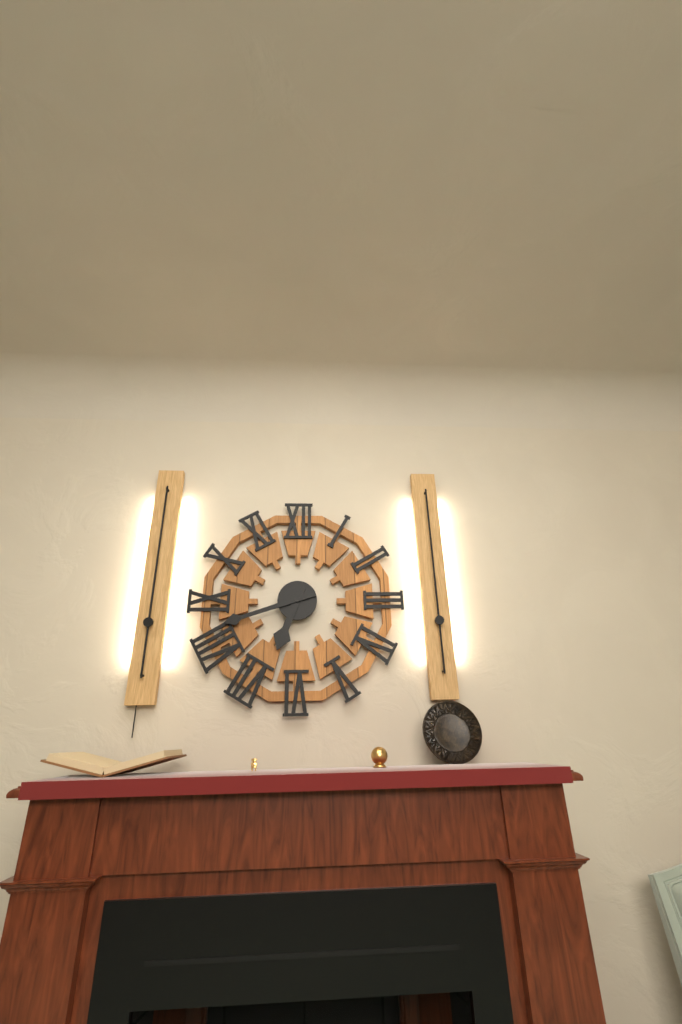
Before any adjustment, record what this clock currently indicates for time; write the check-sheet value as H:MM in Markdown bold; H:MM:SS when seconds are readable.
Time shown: **6:42**
